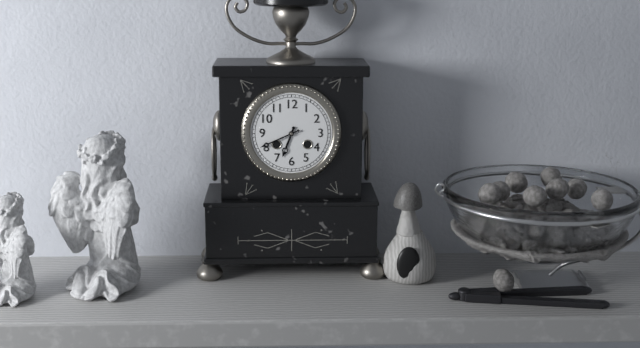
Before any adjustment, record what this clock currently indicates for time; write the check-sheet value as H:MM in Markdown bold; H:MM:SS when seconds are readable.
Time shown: **6:41**
